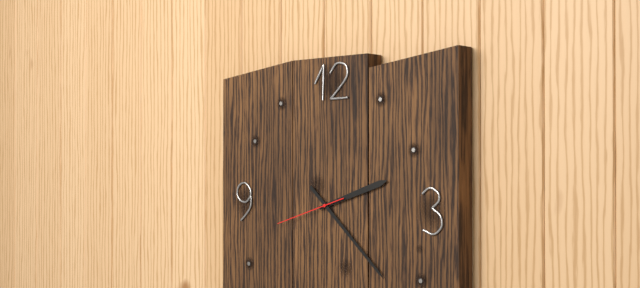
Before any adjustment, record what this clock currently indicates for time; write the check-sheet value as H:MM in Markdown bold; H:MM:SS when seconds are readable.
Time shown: **2:22:42**
